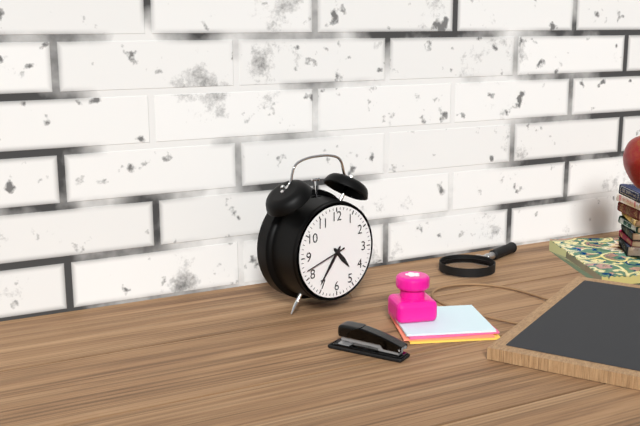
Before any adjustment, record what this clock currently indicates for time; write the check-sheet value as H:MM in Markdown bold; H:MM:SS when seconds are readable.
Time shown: **4:36**
